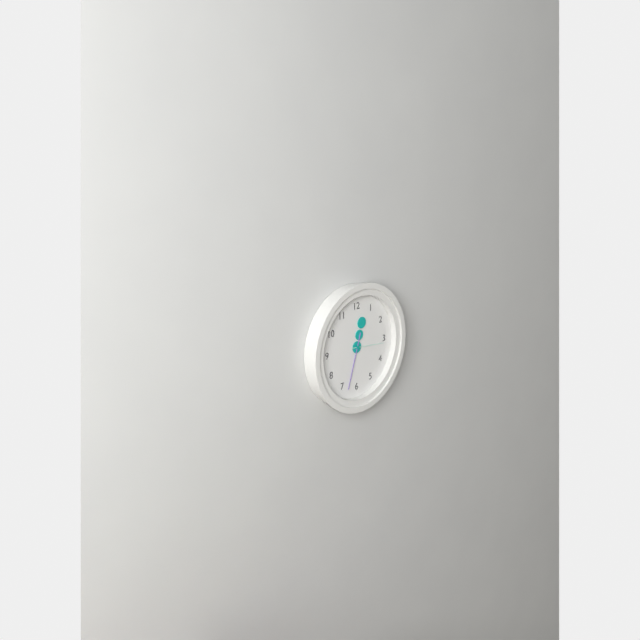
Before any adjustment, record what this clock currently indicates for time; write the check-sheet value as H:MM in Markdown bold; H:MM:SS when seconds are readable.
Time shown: **12:33**
